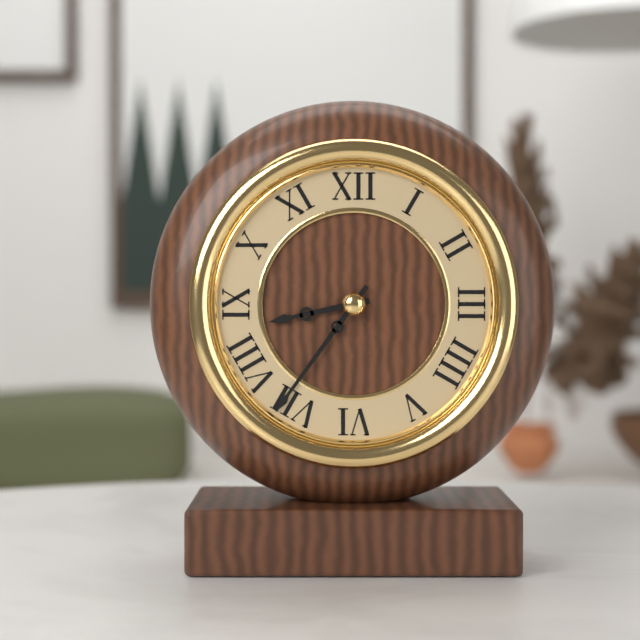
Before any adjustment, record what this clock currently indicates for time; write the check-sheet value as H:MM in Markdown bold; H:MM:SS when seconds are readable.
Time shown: **8:36**
